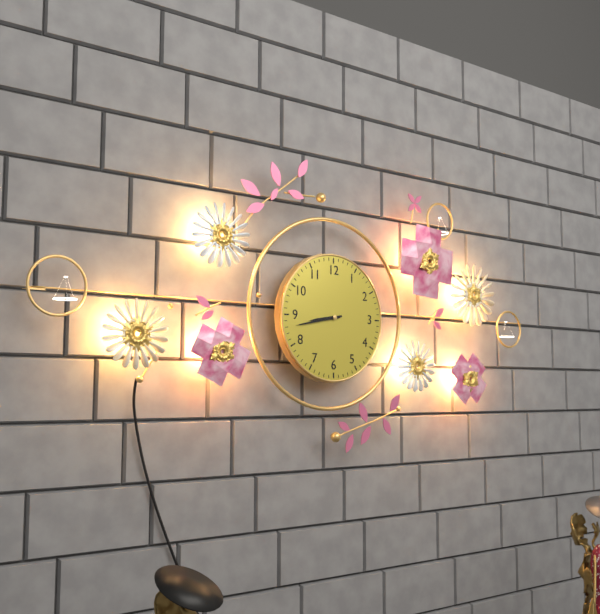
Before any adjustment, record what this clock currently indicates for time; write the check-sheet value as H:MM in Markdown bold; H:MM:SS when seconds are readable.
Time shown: **8:43**
